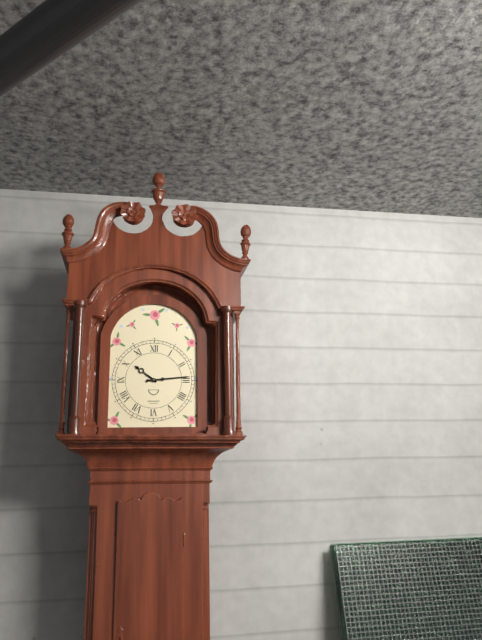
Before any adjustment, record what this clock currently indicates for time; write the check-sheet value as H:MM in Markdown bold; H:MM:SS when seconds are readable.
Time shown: **10:14**
